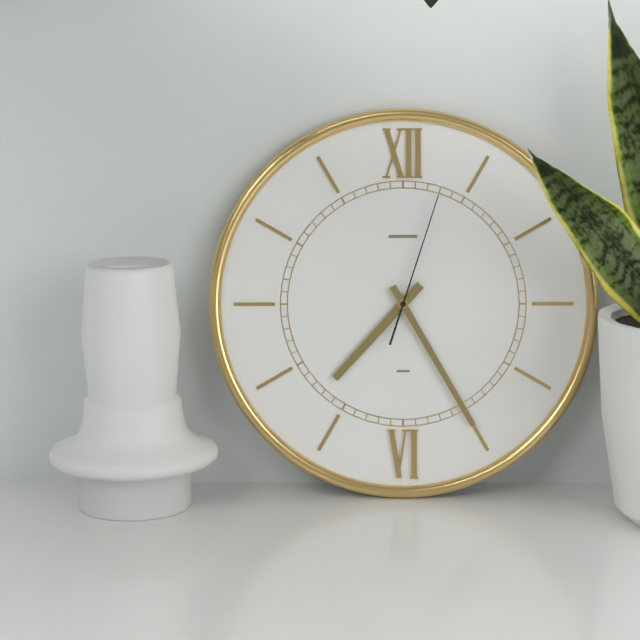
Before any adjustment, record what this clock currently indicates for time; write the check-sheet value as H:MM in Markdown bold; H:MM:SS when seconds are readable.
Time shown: **7:25:03**
